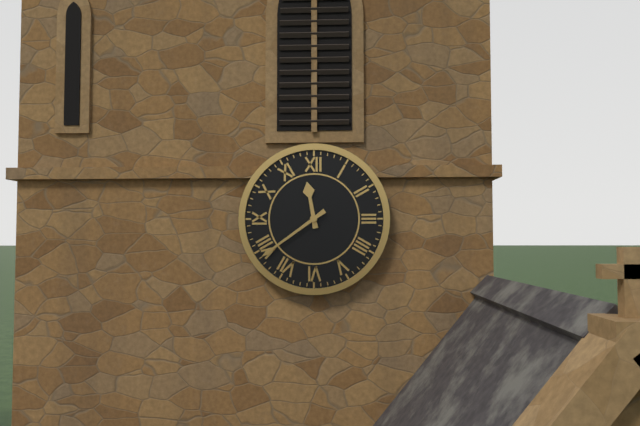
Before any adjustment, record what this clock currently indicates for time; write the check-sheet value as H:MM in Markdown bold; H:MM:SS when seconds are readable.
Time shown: **11:39**
